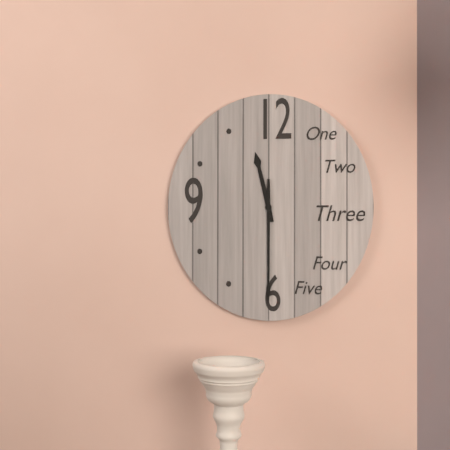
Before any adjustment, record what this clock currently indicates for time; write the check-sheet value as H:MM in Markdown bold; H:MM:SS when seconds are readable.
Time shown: **11:30**
